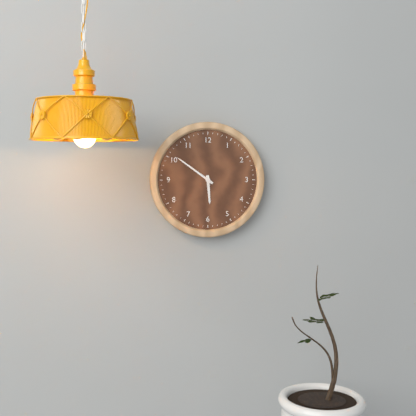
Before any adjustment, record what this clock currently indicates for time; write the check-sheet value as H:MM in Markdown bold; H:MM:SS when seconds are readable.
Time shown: **5:51**
